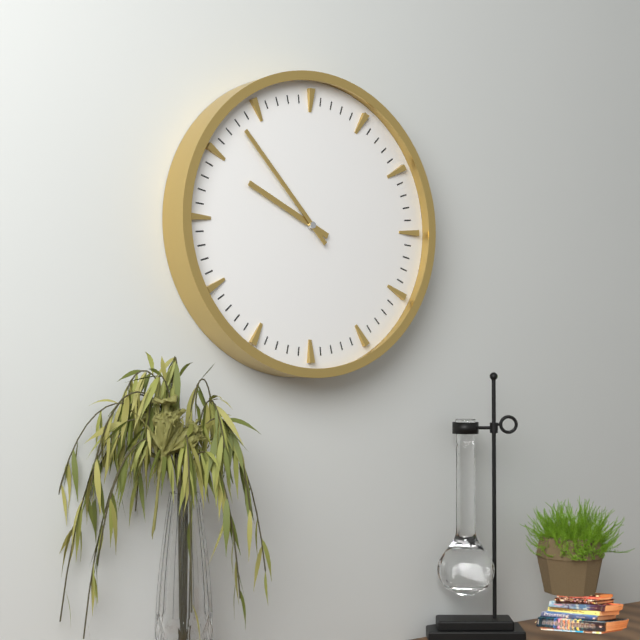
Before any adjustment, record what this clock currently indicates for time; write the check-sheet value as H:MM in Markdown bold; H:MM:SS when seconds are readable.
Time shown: **9:53**
